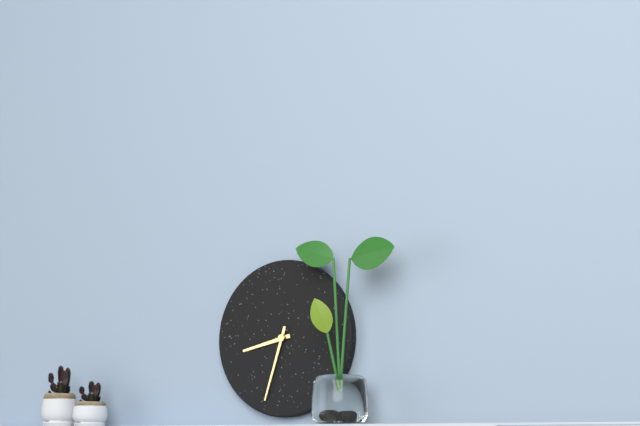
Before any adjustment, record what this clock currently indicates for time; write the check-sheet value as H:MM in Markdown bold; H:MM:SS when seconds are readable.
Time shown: **8:33**
